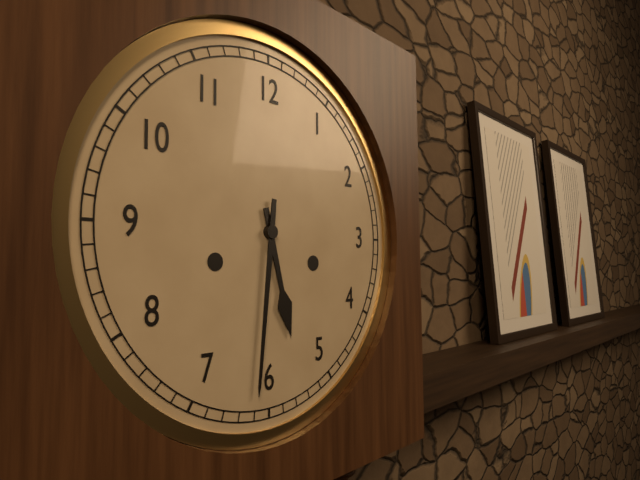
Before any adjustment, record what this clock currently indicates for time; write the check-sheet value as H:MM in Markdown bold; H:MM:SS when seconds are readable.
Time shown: **5:31**
